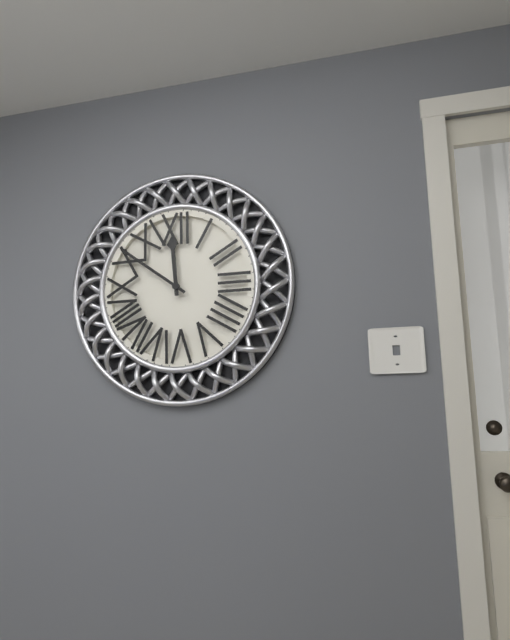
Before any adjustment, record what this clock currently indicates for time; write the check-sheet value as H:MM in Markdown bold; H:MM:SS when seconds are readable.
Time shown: **11:51**
